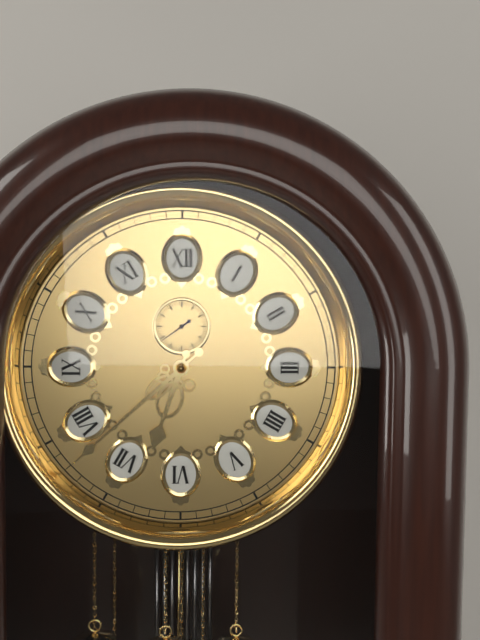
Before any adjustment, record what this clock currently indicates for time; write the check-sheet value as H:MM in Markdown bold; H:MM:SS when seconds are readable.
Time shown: **6:38**
